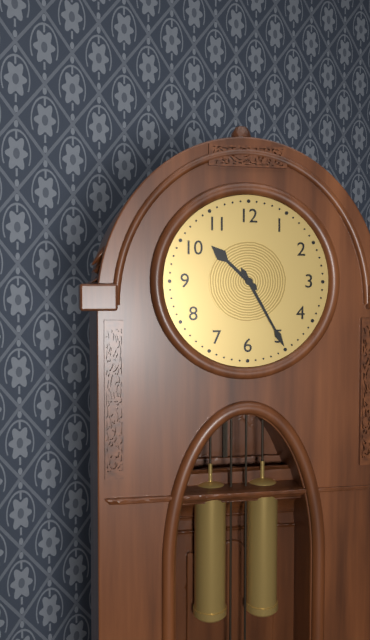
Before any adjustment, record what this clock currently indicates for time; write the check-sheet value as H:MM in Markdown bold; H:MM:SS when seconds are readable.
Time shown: **10:25**
